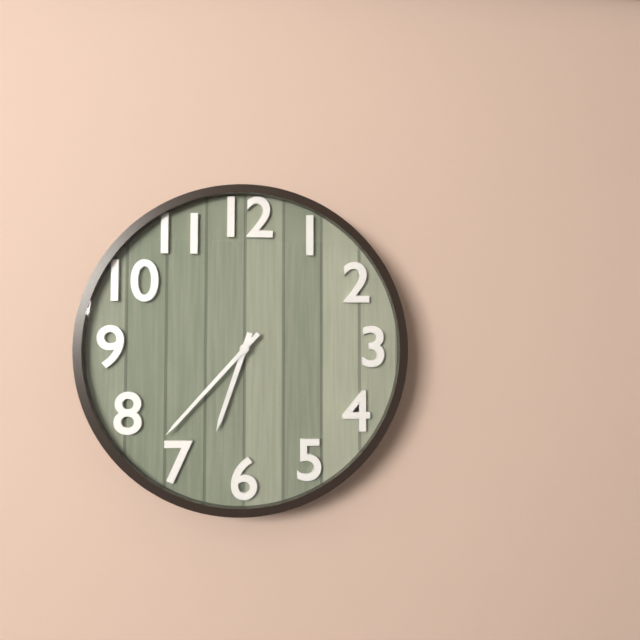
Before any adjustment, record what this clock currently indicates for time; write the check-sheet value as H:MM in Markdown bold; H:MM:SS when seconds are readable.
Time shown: **6:37**
